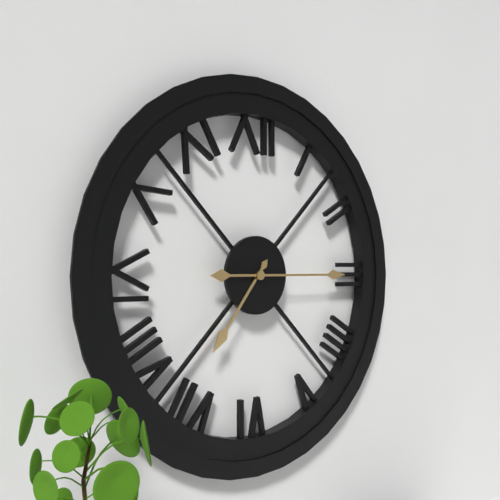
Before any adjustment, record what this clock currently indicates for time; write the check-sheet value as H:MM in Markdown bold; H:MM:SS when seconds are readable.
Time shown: **7:15**
